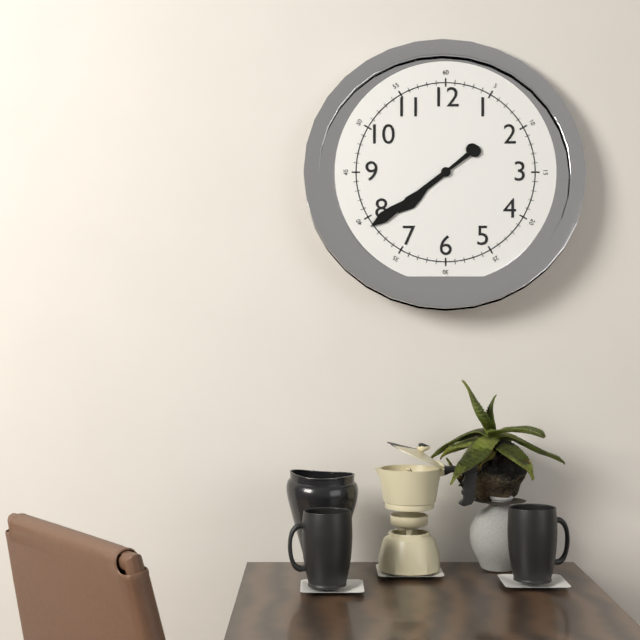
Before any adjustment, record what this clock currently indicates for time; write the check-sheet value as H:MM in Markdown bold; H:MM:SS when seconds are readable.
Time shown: **7:39**
